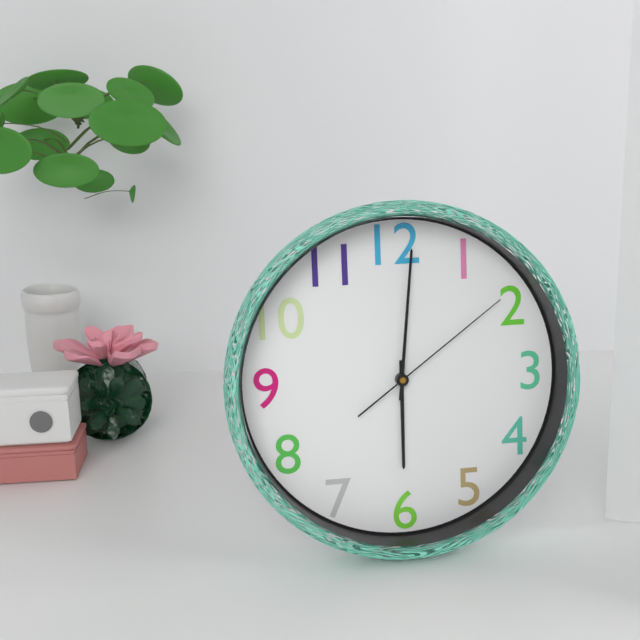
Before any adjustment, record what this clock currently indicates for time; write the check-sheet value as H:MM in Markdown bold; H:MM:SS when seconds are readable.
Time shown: **6:01:09**
